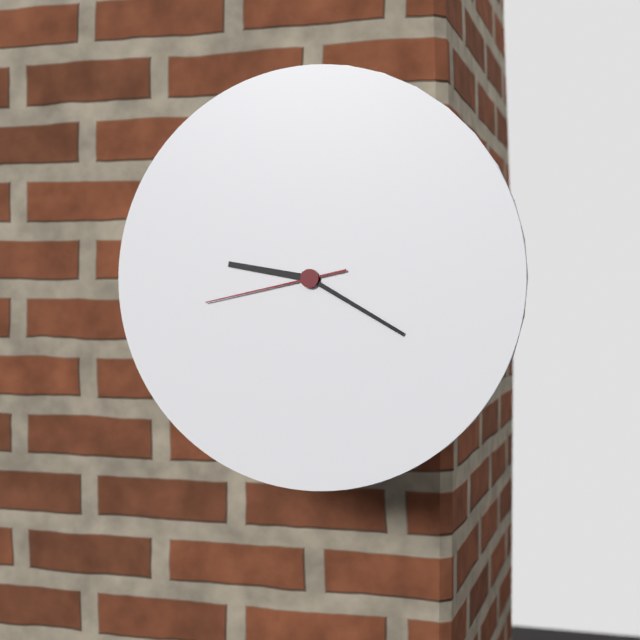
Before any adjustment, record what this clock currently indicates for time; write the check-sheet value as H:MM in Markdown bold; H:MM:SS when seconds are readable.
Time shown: **9:20:43**
